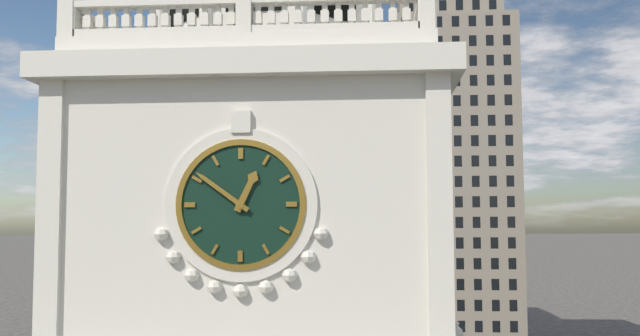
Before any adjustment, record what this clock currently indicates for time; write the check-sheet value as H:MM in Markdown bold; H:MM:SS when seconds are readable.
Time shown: **12:51**
